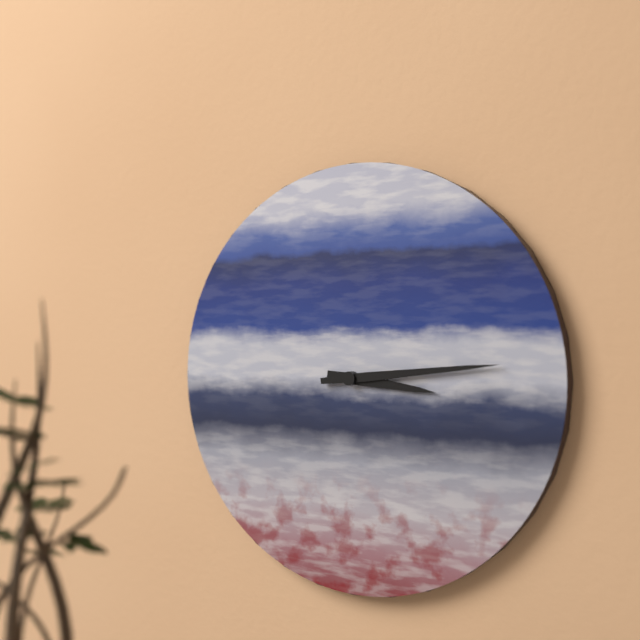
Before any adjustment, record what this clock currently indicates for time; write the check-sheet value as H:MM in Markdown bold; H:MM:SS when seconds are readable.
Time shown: **3:14**
